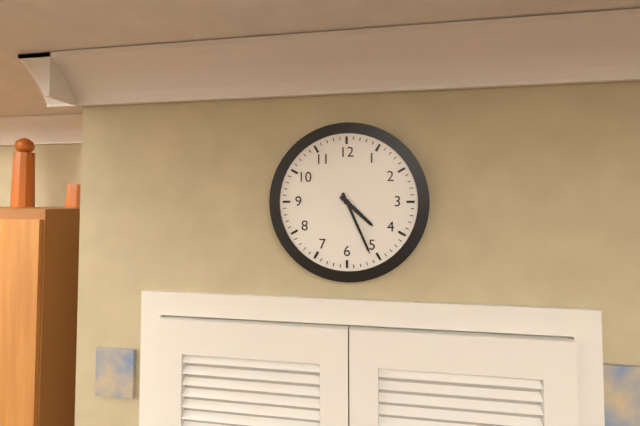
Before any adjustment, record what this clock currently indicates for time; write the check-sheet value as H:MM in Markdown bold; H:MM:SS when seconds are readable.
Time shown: **4:26**
